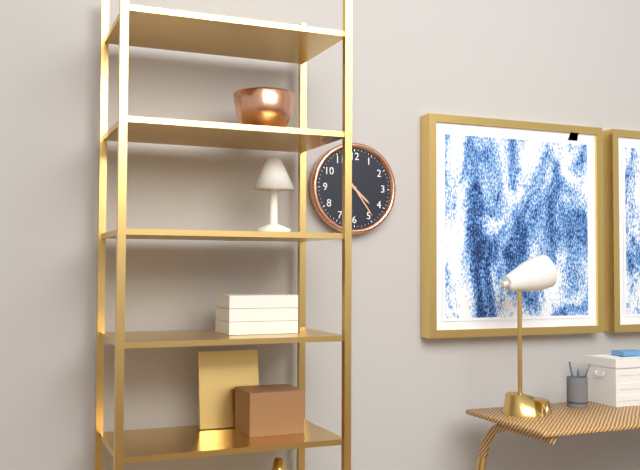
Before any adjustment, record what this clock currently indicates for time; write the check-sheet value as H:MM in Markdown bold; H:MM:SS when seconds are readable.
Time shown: **4:24**
